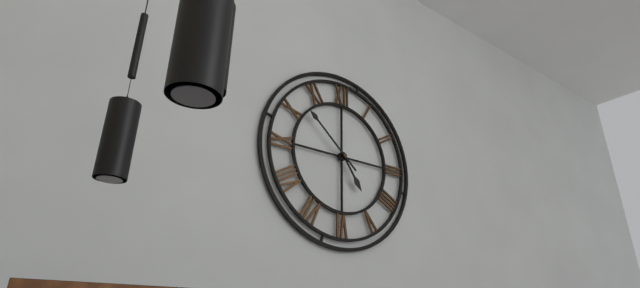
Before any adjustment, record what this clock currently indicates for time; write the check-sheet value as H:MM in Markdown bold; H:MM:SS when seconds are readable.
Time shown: **4:52**
